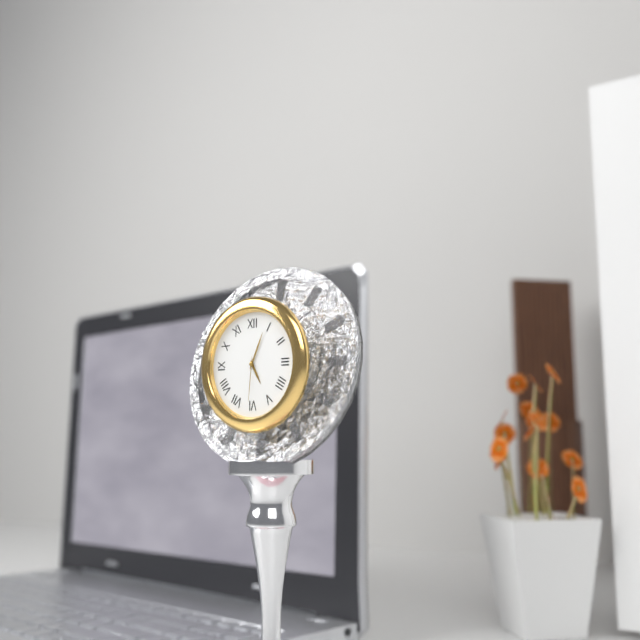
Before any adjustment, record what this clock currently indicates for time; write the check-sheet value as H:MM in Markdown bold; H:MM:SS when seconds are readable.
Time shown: **5:04**
